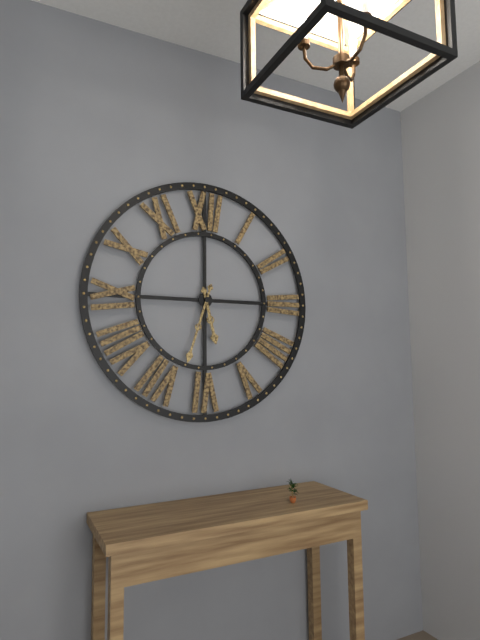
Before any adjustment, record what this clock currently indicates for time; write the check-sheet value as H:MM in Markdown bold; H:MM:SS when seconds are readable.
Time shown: **5:33**
